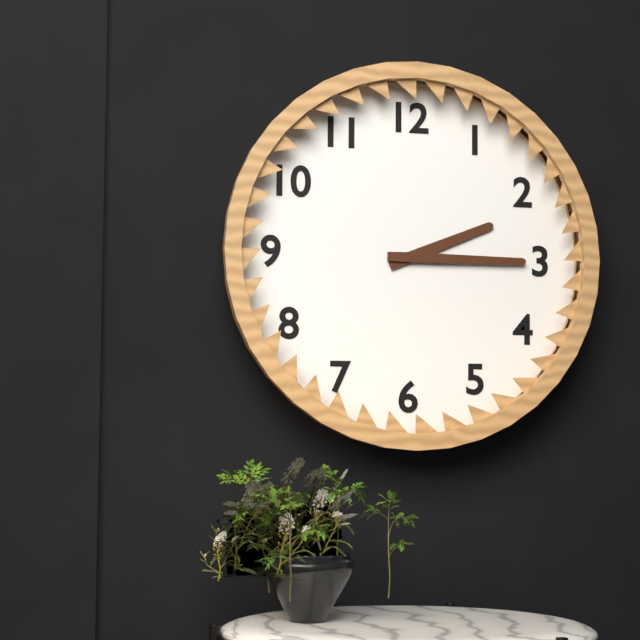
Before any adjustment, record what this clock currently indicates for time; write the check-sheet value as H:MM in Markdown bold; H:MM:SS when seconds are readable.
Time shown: **2:15**
